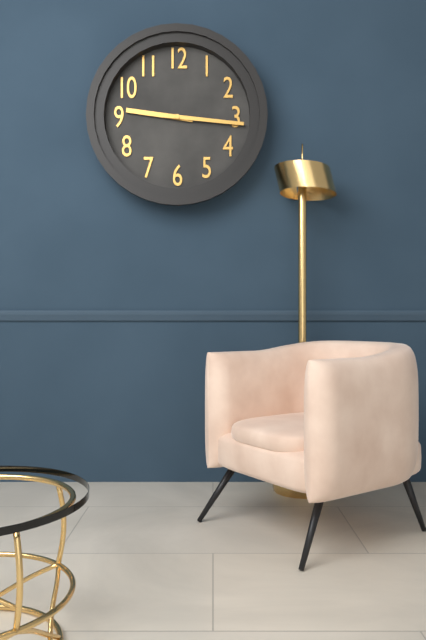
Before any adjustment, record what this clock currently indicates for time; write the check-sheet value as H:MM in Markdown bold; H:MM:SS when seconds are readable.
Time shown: **9:16**
